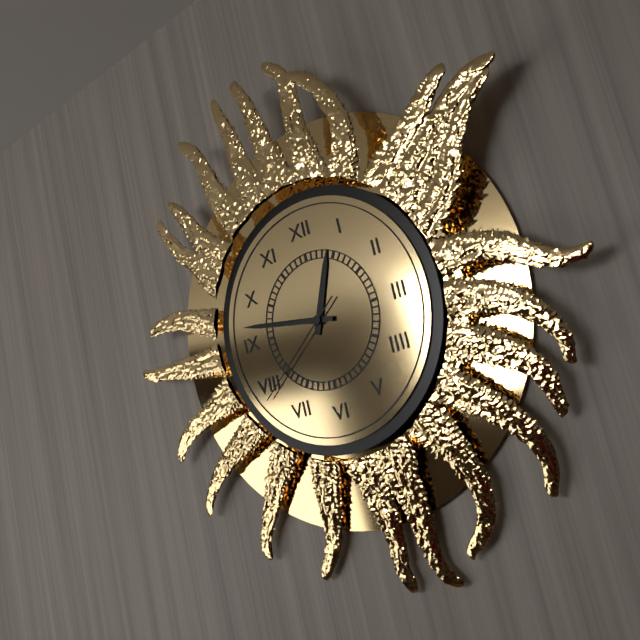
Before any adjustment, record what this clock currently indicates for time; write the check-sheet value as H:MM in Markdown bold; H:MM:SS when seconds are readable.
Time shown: **12:47:39**
